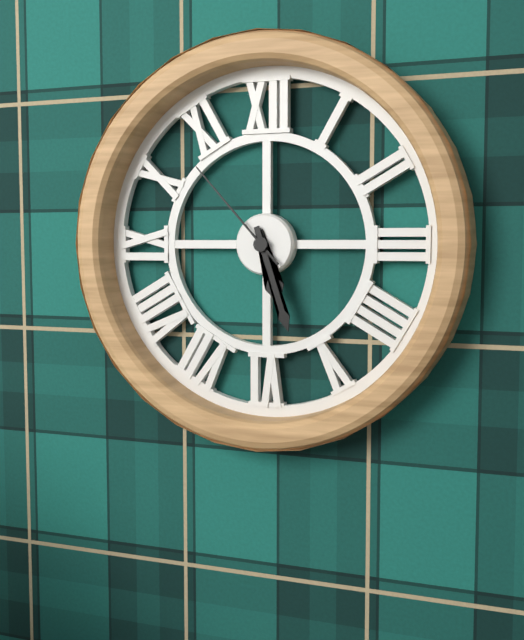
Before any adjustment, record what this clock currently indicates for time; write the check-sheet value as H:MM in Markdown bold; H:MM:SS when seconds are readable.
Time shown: **5:27:53**
